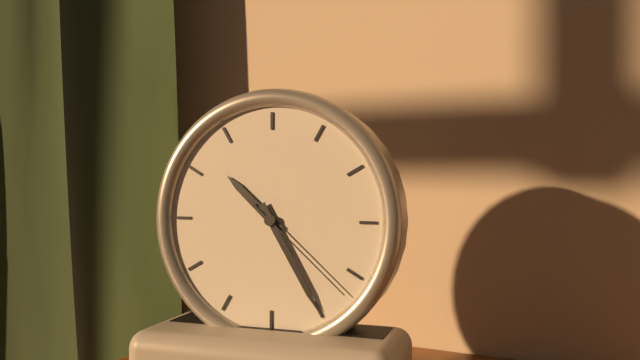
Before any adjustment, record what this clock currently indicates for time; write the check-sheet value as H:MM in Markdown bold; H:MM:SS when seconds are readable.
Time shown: **10:25:22**
